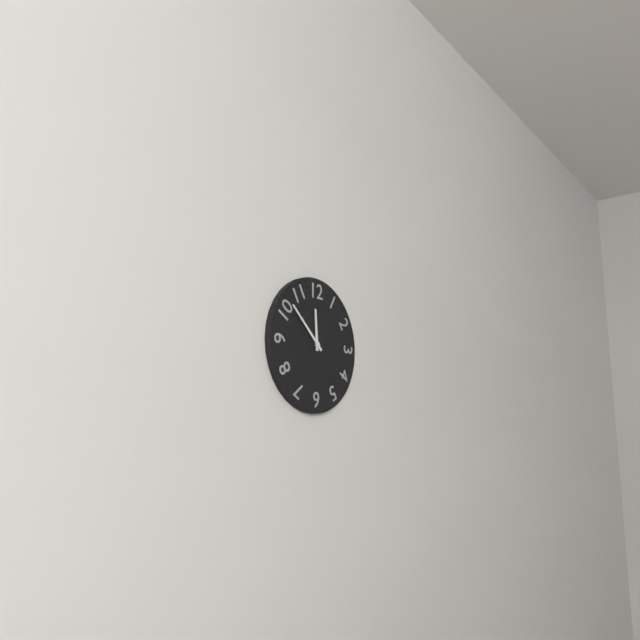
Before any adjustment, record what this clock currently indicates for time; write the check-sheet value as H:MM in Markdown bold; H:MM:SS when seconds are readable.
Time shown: **11:52**
